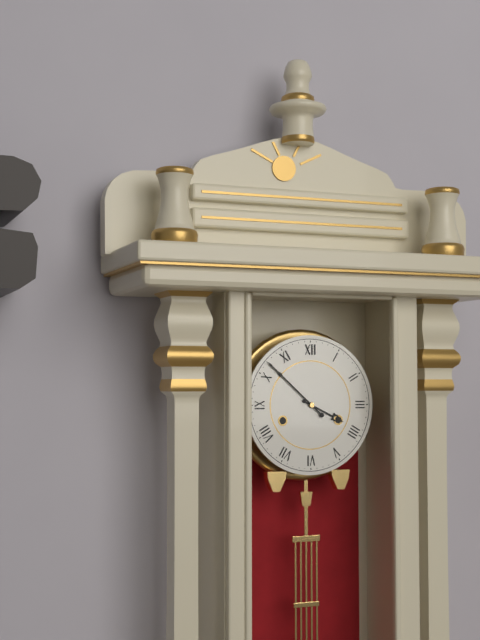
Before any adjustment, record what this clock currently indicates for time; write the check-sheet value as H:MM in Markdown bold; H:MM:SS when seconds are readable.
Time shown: **3:52**
